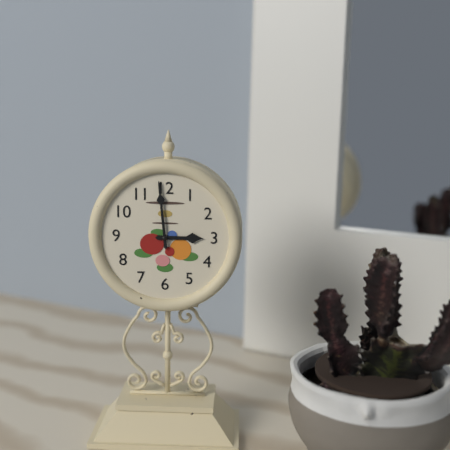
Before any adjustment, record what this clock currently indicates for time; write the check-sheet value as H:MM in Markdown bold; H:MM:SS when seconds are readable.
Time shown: **2:59**
